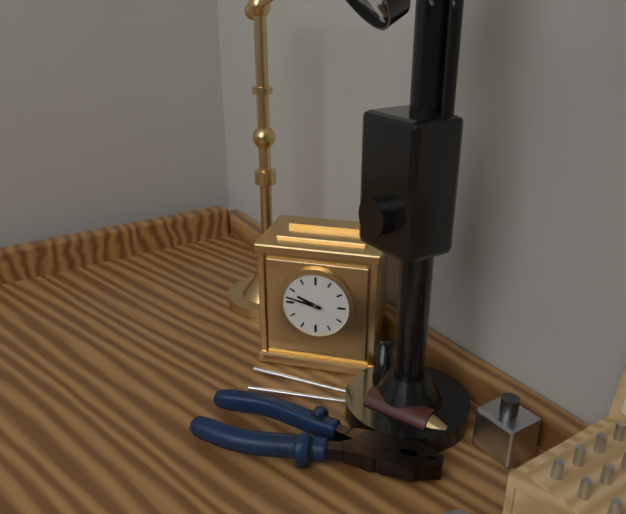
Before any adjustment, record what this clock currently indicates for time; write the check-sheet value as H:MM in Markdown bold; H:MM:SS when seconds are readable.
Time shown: **9:47**
